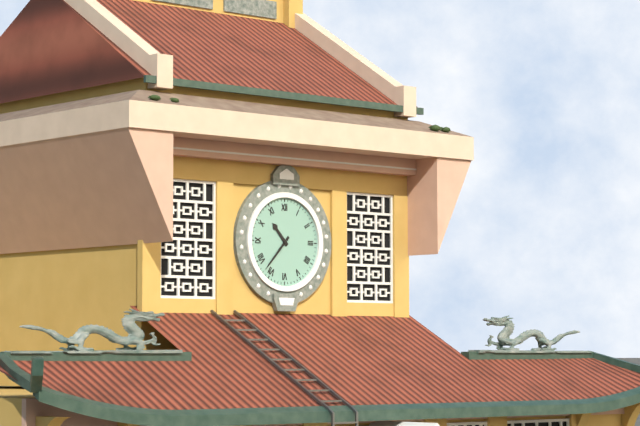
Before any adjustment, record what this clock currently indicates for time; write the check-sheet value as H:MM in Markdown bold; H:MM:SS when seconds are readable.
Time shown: **10:37**
